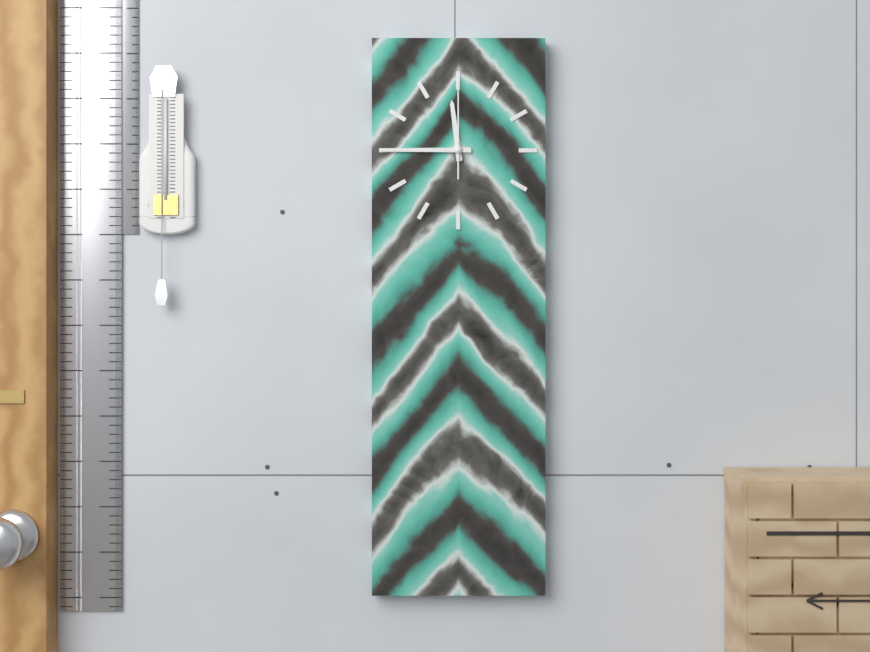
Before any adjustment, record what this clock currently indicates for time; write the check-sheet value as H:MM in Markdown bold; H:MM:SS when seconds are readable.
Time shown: **11:45:00**
